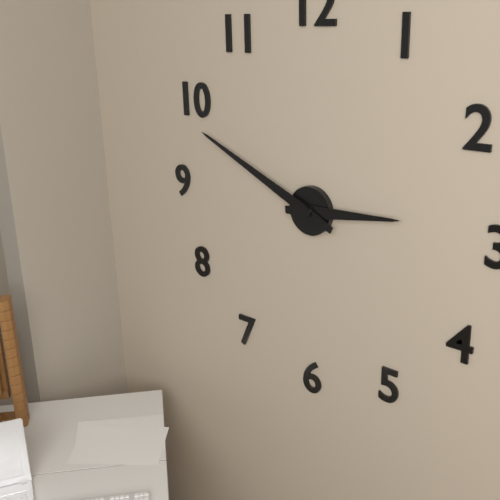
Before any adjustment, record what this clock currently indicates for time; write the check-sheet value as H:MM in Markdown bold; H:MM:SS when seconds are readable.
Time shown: **2:49**
